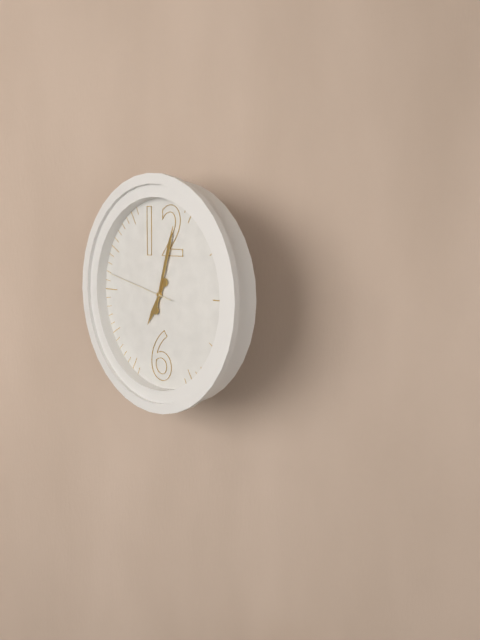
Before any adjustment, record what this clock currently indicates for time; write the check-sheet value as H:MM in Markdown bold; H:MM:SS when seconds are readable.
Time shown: **7:03:47**
